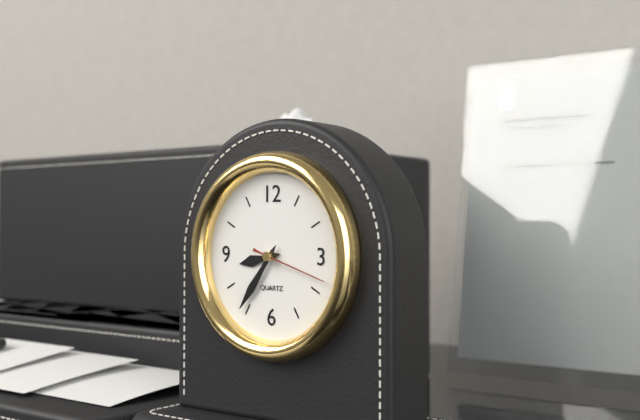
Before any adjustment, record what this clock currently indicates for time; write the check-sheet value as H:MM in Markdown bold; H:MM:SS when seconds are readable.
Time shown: **8:36:18**
